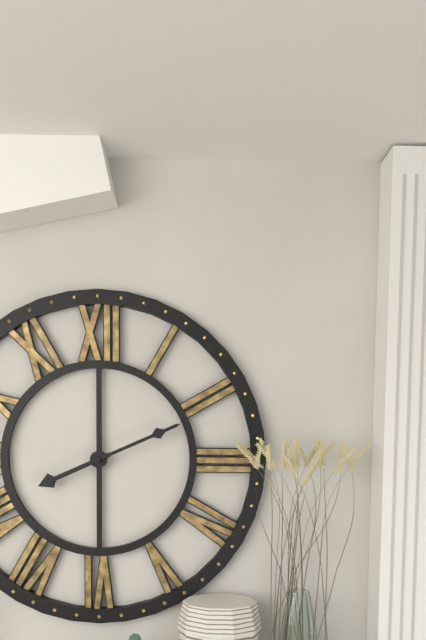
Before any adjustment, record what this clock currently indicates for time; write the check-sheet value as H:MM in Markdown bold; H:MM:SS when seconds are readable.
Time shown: **8:11**
